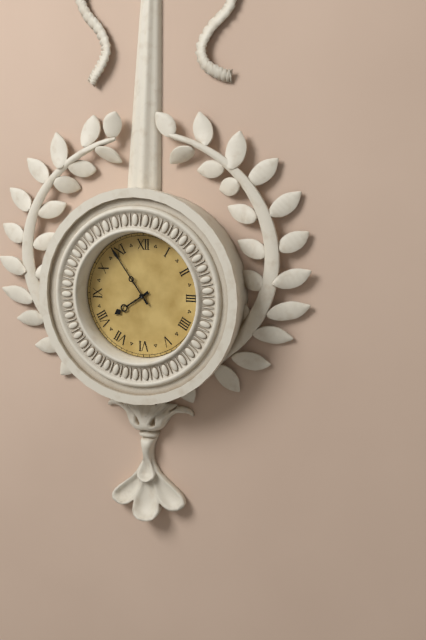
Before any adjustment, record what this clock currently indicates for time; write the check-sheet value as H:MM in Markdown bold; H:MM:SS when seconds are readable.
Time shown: **7:54**
